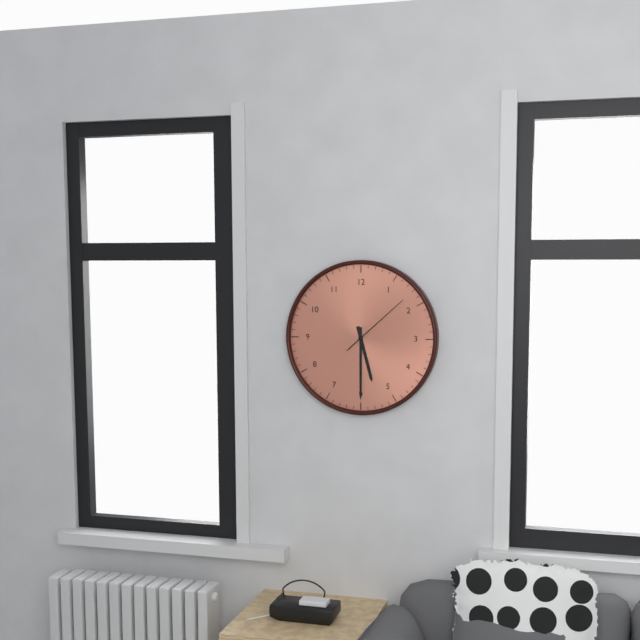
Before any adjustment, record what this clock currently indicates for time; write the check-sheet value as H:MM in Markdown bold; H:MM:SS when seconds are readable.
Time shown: **5:30:08**
